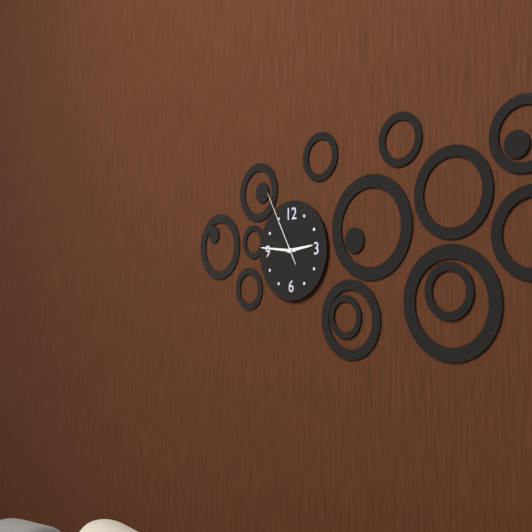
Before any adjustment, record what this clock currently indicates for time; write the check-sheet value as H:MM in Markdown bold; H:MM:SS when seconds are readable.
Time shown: **2:46:55**
